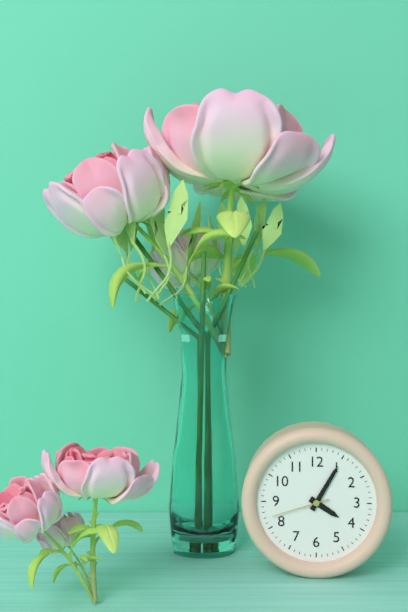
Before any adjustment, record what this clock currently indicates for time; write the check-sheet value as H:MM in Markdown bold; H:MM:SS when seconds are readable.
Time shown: **4:05:42**
